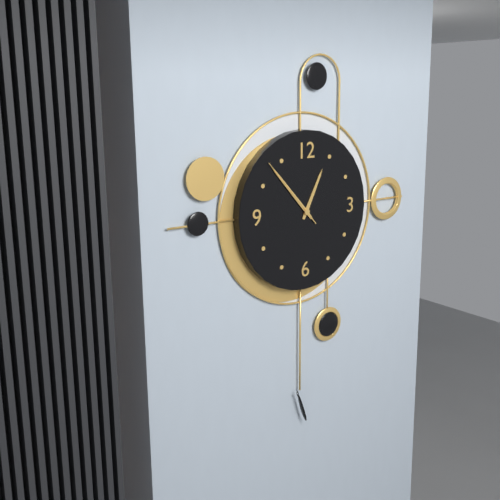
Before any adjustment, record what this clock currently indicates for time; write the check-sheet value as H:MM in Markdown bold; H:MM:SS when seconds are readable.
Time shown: **12:53:53**
